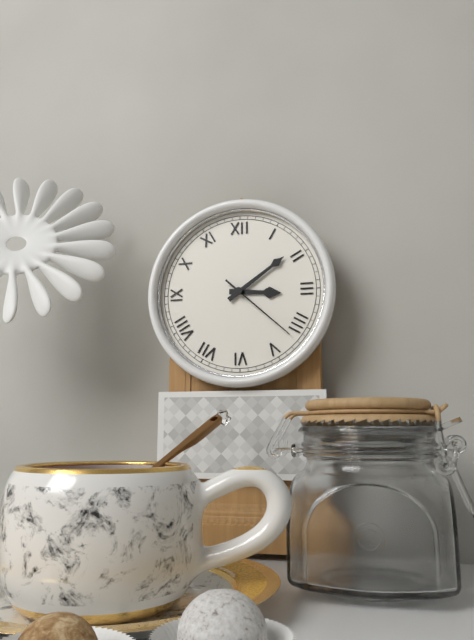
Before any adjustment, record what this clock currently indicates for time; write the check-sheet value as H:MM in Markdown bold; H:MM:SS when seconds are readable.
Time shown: **3:09:22**
